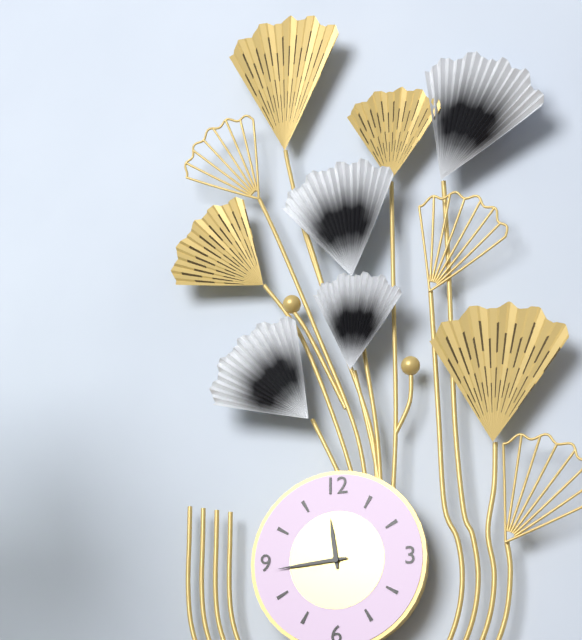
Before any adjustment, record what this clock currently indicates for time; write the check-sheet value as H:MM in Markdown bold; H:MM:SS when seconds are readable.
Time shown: **11:44**
